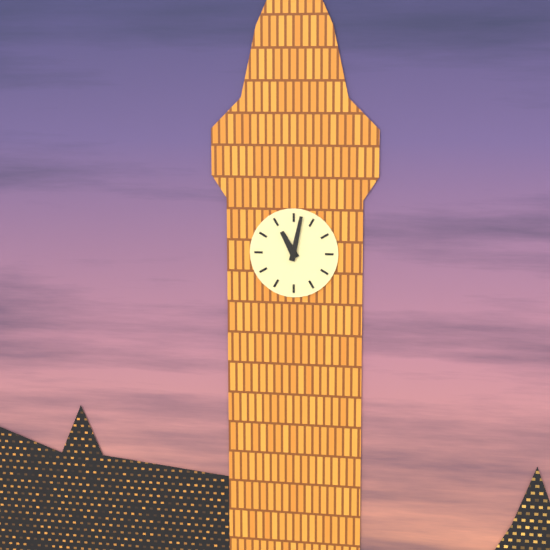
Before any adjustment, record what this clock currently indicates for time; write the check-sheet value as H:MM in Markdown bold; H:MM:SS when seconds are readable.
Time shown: **11:02**
